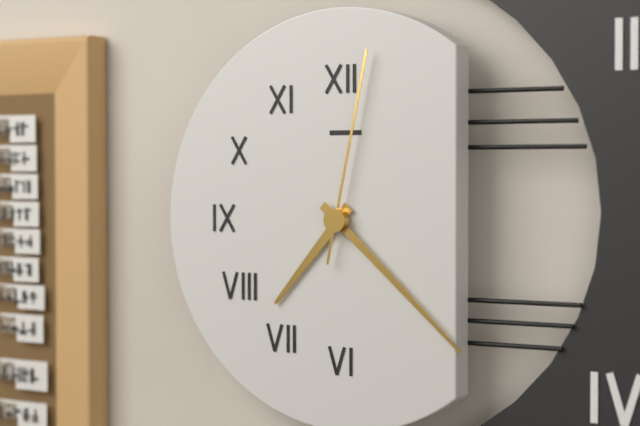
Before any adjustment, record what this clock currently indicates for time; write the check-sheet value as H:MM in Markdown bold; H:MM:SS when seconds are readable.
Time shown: **7:22:02**
